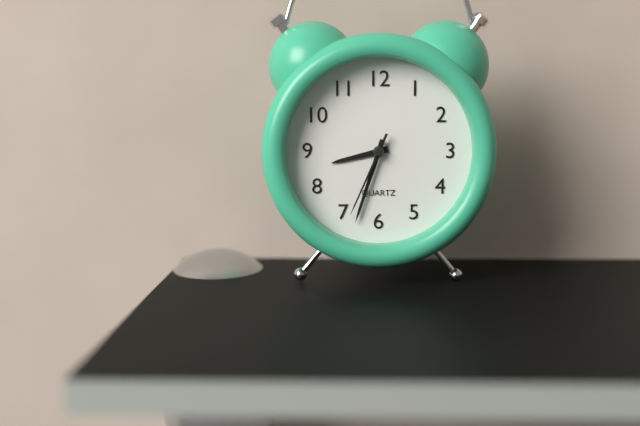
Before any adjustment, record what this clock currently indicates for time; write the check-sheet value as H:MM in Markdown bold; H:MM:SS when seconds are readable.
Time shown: **8:33:34**
